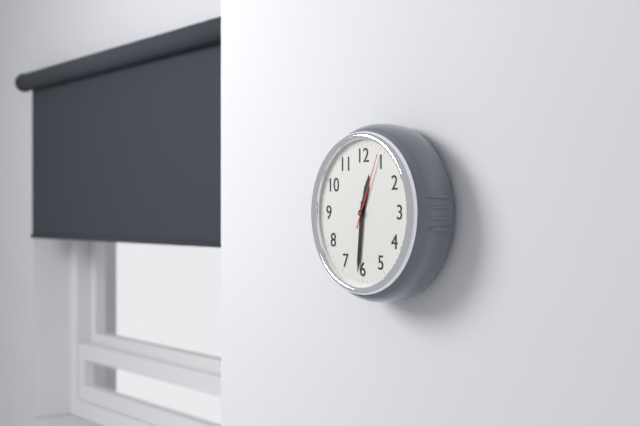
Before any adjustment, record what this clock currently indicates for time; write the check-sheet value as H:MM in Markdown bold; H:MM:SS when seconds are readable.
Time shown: **12:31:04**
